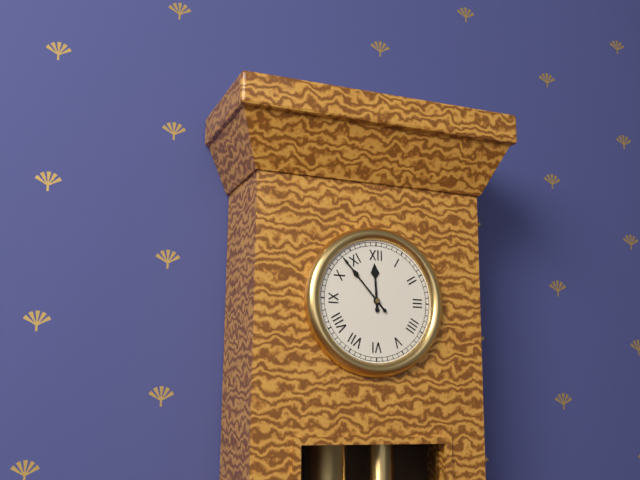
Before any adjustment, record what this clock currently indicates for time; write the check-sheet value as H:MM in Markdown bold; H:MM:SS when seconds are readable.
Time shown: **11:53**
